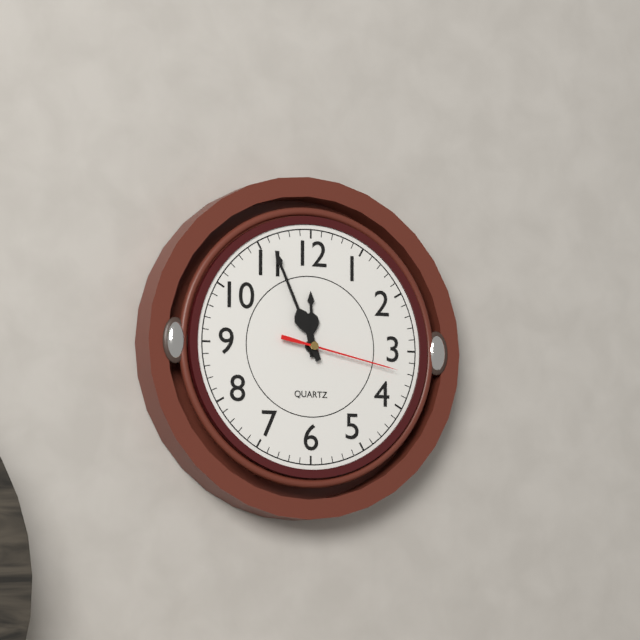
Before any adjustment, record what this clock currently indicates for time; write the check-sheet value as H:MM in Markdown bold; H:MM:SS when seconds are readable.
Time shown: **11:56:17**
